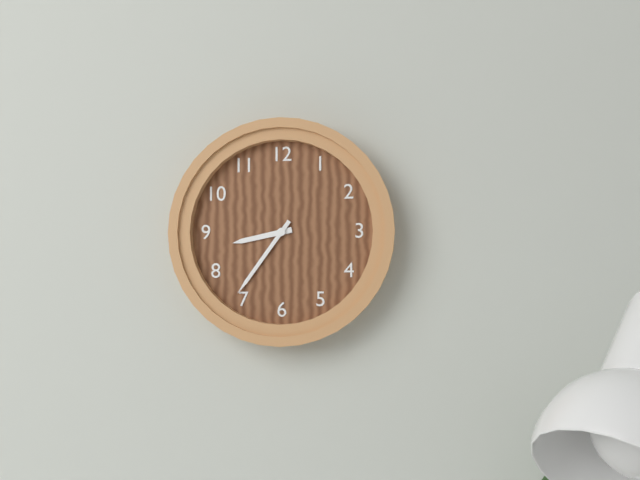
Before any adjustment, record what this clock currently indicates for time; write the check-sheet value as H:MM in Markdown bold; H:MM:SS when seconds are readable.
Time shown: **8:36**
